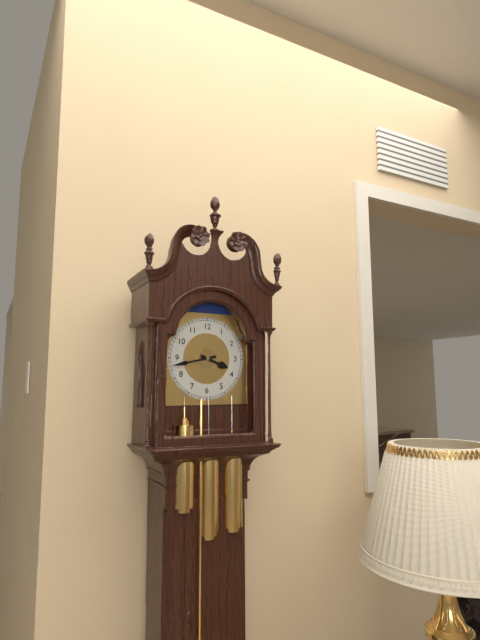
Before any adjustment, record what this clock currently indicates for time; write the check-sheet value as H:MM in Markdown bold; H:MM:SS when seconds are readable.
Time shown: **3:43**
